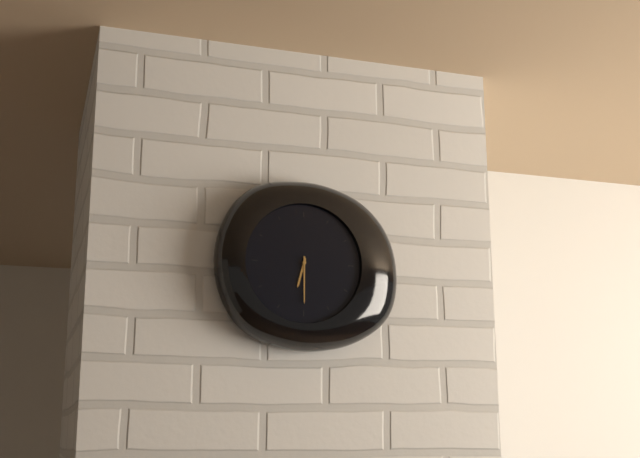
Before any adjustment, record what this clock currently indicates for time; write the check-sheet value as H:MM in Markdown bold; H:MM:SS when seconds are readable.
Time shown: **6:30**
